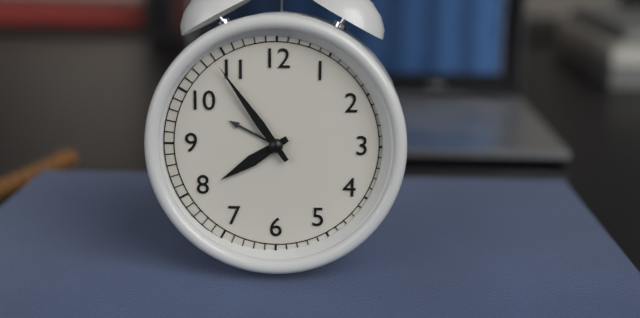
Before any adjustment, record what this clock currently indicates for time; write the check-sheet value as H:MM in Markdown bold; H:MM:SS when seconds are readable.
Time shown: **7:54**
